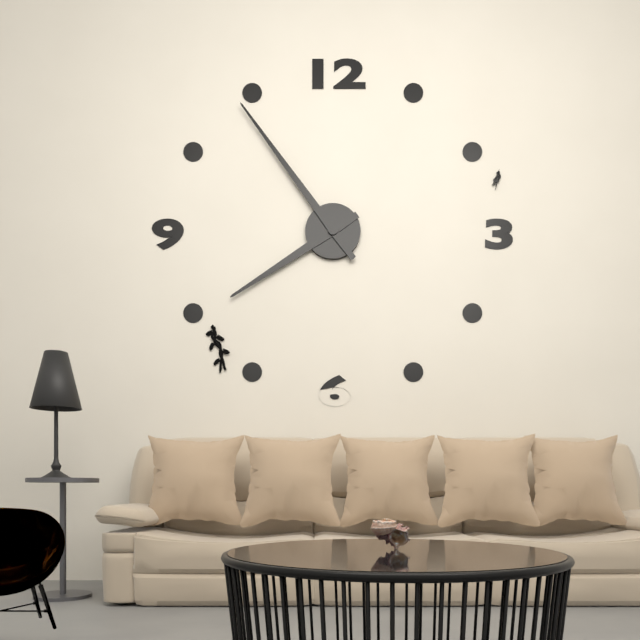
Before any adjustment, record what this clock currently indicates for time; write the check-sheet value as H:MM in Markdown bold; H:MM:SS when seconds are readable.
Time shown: **7:54**
